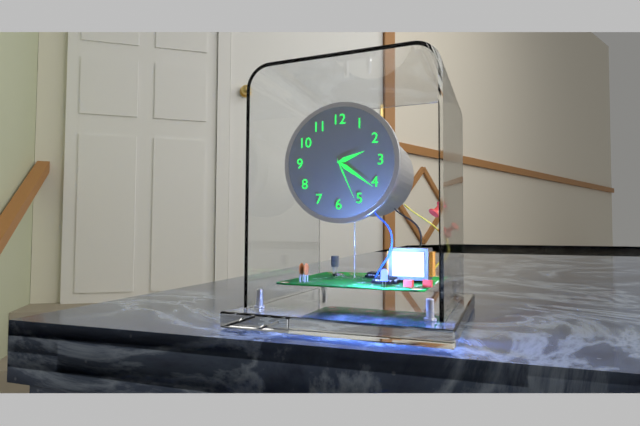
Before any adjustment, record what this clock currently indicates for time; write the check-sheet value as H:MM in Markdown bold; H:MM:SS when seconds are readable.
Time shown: **2:21:26**
